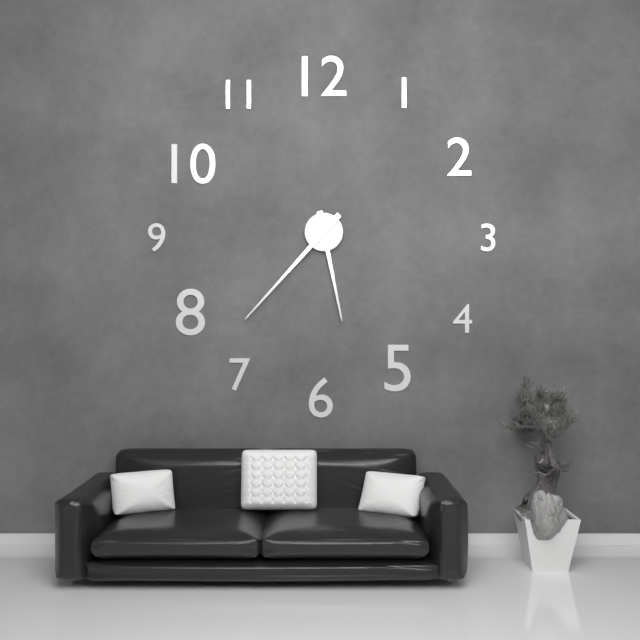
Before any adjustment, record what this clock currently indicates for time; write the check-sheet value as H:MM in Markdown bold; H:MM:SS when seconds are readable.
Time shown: **5:37**
